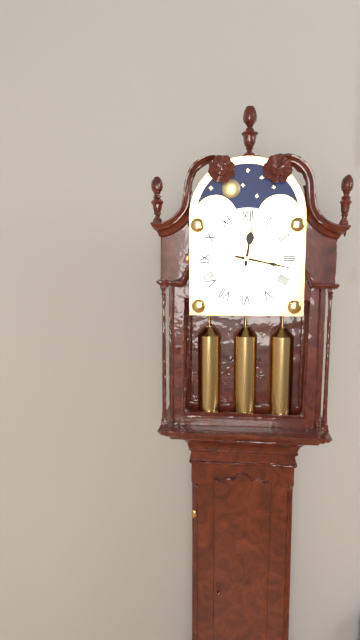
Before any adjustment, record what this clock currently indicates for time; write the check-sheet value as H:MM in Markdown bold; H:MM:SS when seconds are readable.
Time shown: **12:17**
